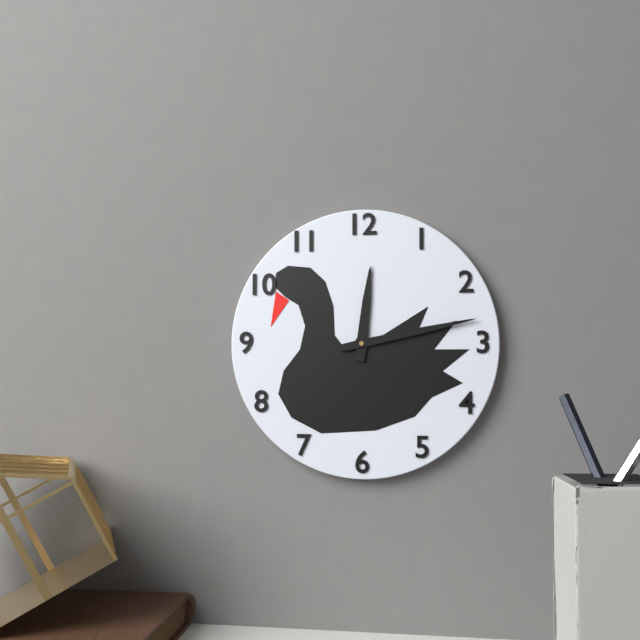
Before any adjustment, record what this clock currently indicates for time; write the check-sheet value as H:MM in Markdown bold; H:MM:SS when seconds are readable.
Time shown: **12:13**
